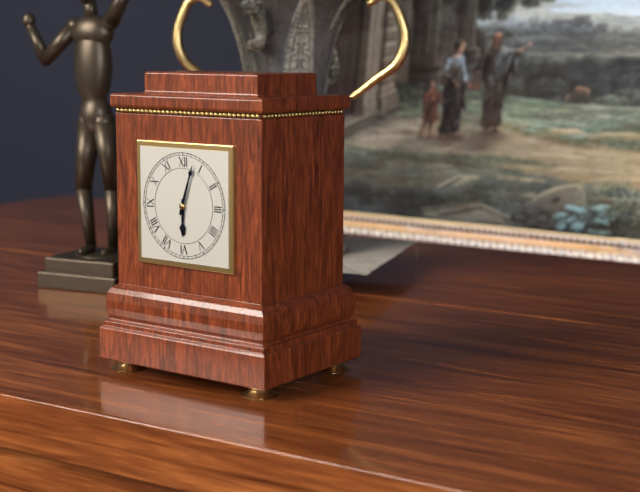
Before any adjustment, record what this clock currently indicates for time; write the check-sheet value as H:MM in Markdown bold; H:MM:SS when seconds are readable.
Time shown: **6:03**
